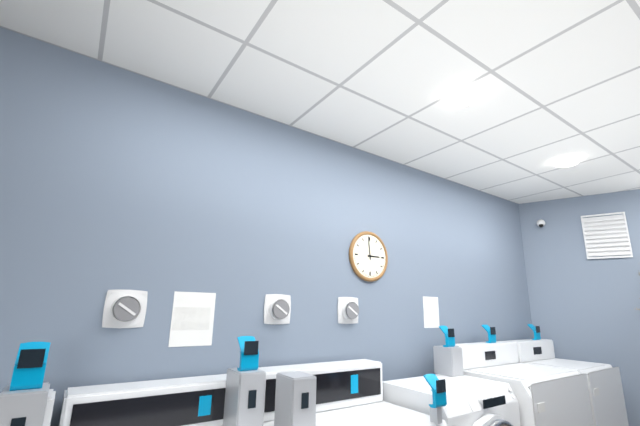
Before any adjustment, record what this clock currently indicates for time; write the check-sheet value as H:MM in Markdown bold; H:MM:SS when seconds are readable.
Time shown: **2:59**
